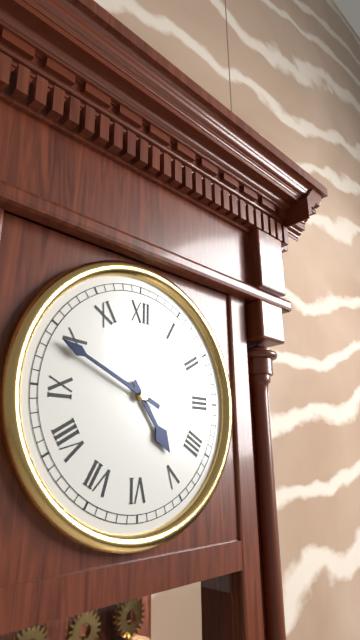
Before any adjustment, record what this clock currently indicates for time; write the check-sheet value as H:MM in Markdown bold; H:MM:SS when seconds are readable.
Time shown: **4:49**
